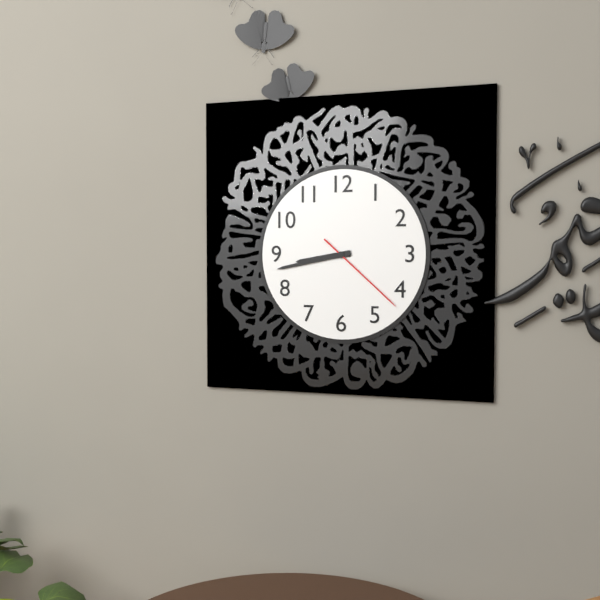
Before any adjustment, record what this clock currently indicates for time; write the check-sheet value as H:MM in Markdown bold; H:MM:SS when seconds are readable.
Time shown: **8:43:22**
